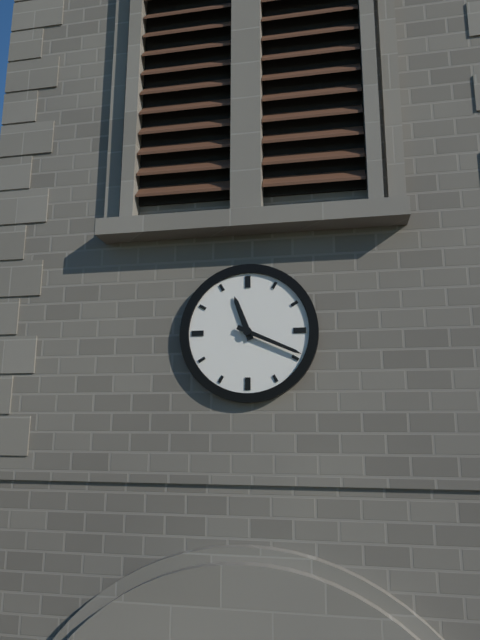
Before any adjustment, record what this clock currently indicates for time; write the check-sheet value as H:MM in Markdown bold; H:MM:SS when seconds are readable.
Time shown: **11:19**
